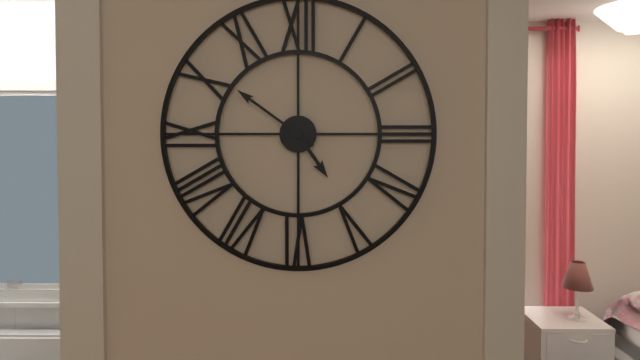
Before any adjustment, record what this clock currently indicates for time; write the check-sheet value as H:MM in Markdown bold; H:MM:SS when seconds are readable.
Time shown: **4:51**
